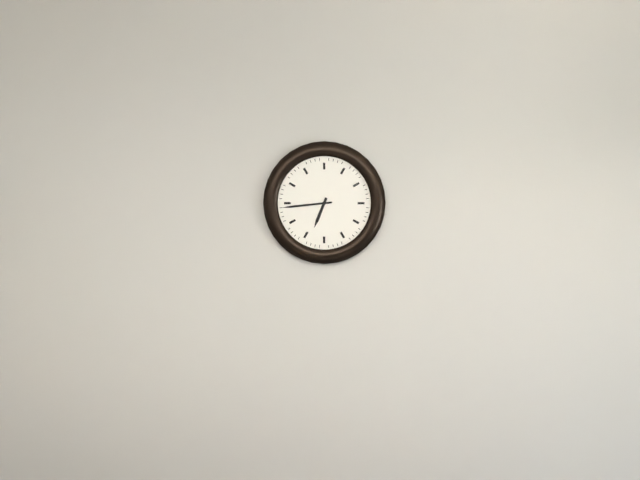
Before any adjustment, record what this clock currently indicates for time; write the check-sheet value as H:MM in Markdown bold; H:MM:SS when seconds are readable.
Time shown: **6:44**
